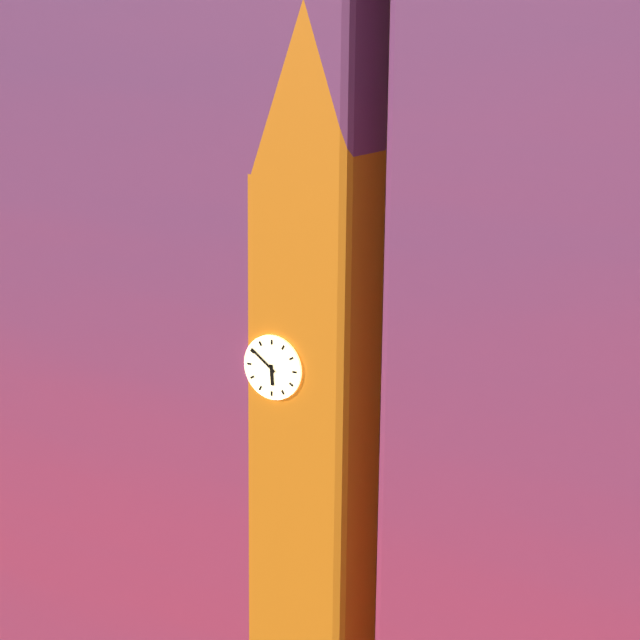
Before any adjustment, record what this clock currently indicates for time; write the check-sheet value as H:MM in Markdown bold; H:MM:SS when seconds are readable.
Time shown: **5:51**
